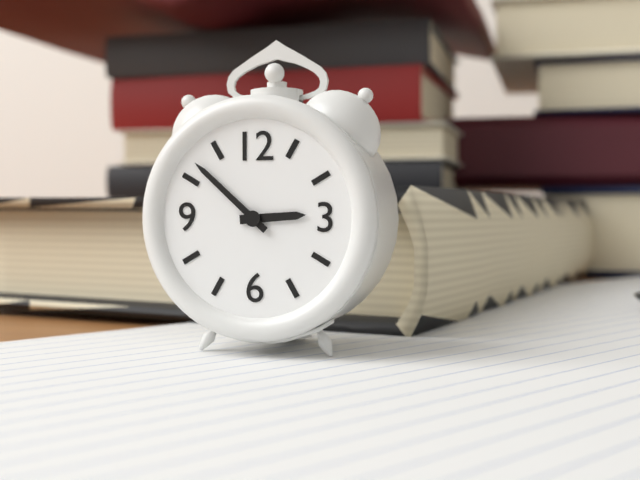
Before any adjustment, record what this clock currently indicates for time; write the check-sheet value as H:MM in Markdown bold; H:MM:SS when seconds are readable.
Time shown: **2:52**
